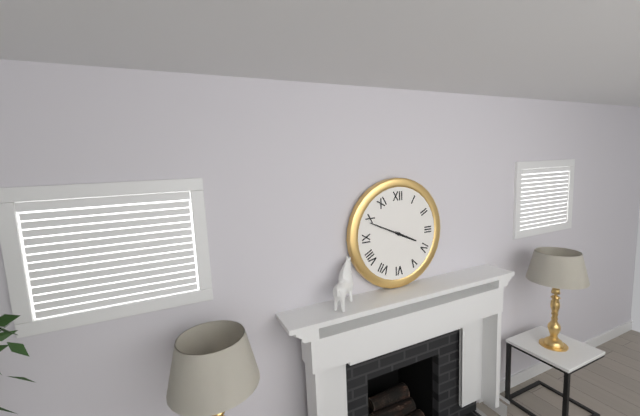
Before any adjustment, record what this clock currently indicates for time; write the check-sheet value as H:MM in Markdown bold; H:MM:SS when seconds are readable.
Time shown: **3:49**
